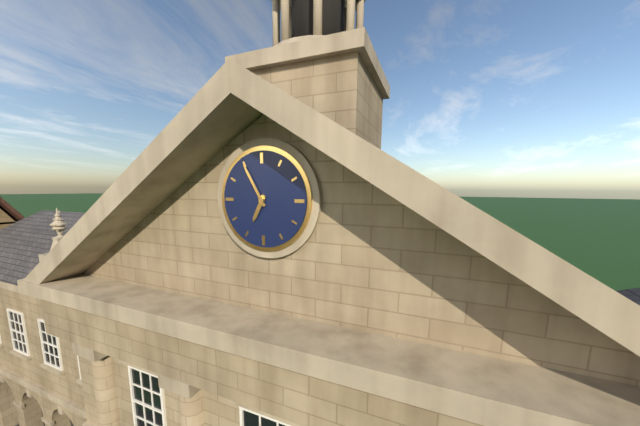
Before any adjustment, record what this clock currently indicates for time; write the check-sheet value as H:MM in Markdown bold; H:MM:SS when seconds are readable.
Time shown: **6:55**
